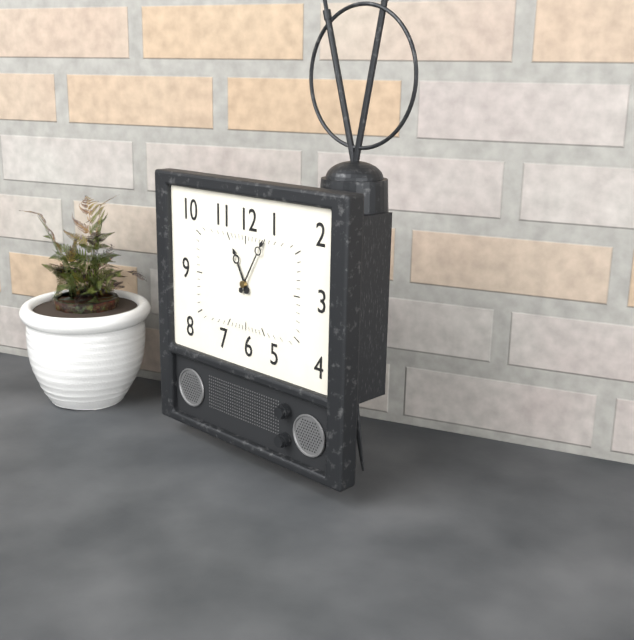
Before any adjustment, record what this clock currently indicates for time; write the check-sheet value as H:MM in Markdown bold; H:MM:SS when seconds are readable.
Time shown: **11:05**
